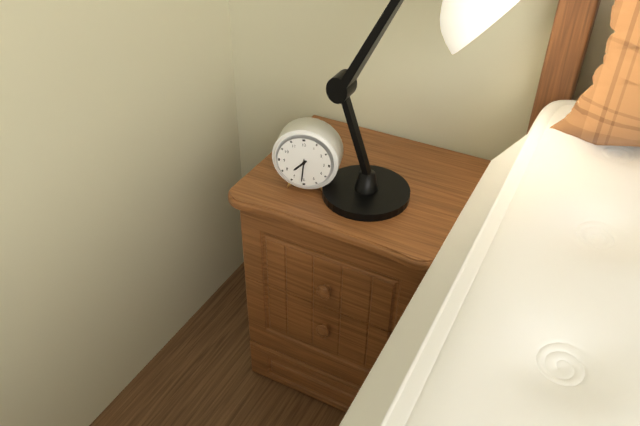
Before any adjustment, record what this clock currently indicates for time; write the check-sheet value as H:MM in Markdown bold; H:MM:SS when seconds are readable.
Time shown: **7:31**
